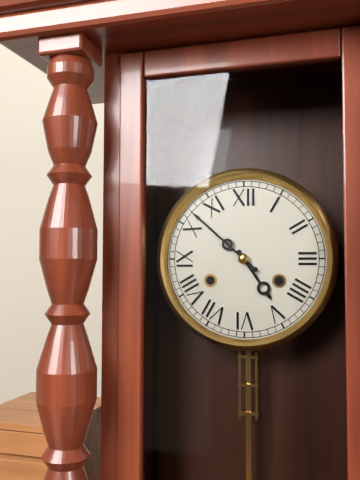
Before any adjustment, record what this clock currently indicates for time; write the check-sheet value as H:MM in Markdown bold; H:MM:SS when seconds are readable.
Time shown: **4:52**
